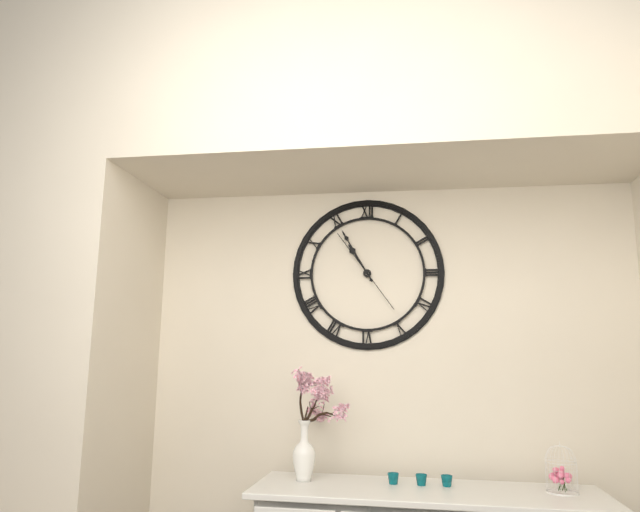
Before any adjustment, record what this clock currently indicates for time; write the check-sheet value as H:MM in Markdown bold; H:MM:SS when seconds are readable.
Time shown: **10:55:54**
